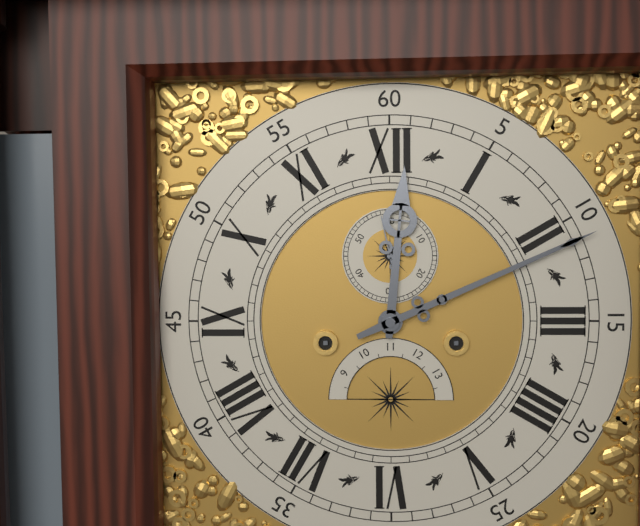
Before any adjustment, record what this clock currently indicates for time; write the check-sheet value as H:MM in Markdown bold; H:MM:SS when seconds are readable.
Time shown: **12:11:58**
